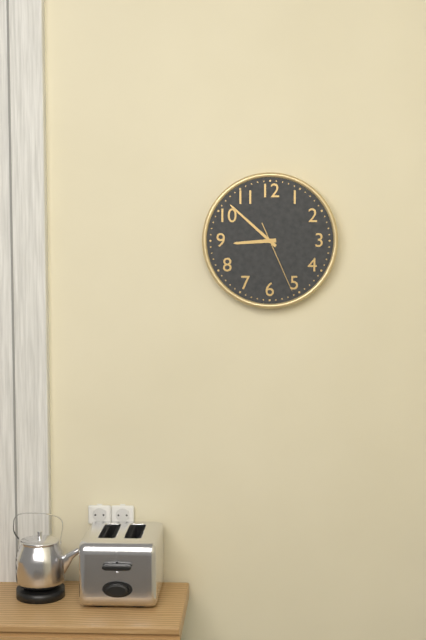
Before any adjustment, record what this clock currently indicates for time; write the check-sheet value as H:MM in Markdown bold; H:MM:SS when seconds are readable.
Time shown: **8:52:26**
